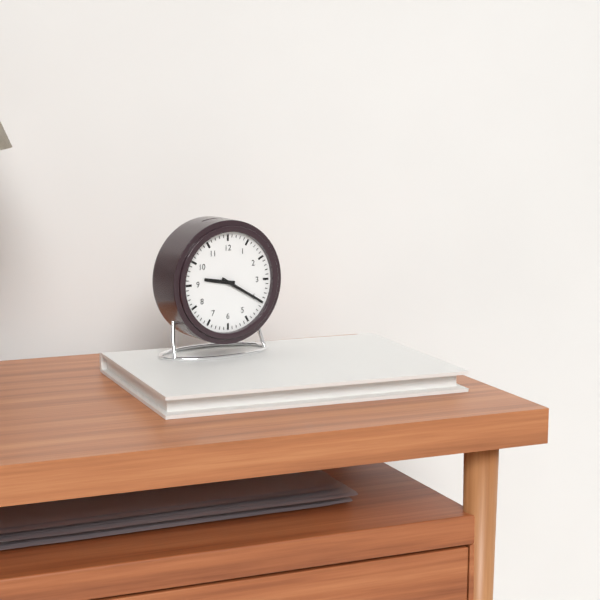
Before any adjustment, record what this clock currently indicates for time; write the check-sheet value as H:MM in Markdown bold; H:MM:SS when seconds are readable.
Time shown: **9:20**
